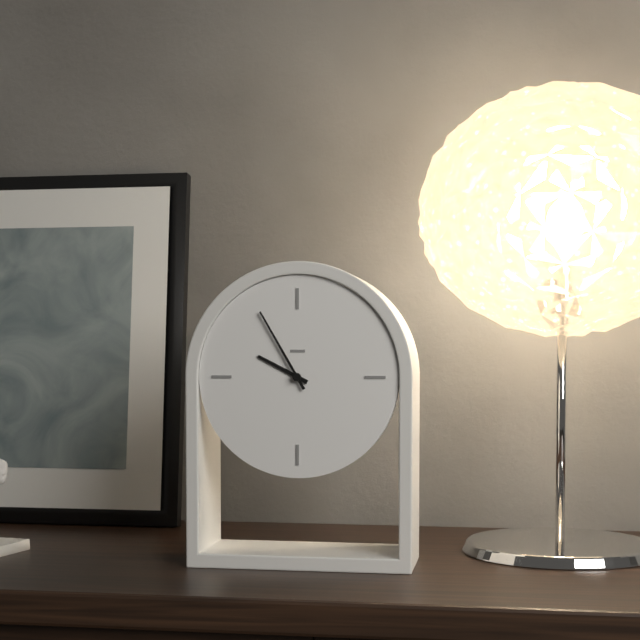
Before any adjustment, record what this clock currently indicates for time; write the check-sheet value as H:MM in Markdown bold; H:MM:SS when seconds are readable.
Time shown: **9:55**
